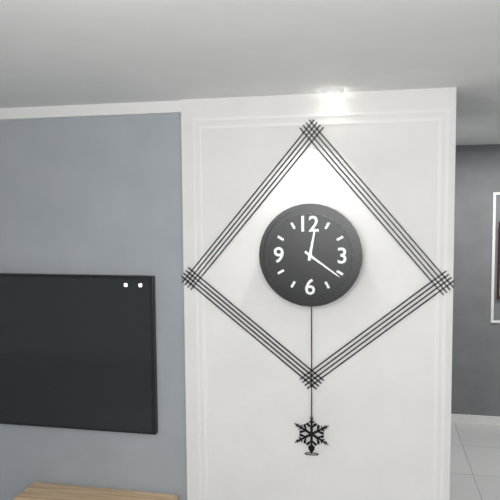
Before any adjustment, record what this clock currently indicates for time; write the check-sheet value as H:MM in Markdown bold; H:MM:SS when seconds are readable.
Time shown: **12:21**
